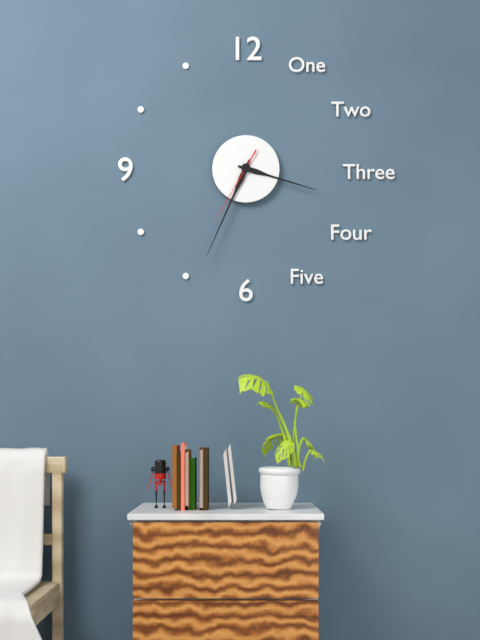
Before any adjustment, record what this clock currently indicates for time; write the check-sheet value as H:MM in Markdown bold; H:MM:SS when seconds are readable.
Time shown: **3:34:35**
